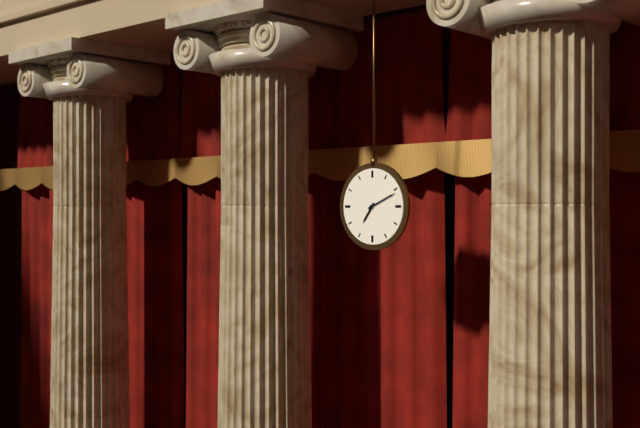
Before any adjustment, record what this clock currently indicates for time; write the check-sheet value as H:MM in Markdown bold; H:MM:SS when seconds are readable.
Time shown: **7:11**
